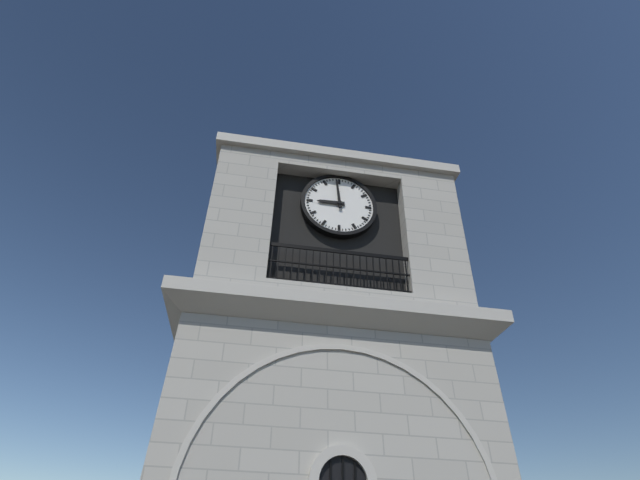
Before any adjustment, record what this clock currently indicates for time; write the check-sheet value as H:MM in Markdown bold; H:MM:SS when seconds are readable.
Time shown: **8:59**
